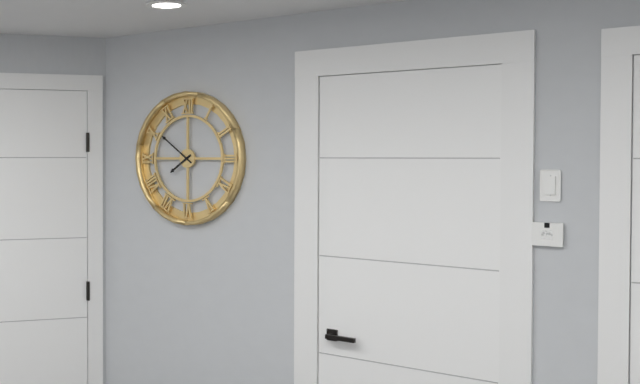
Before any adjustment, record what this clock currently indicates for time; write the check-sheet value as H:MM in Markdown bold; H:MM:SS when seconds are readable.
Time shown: **7:51**
